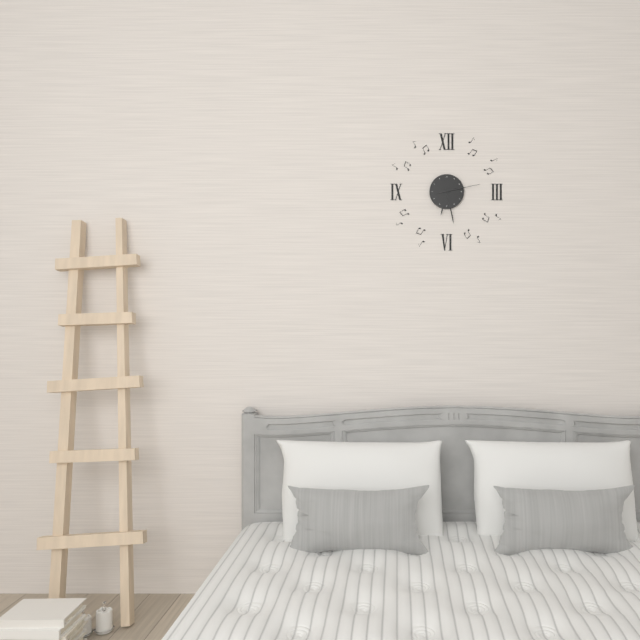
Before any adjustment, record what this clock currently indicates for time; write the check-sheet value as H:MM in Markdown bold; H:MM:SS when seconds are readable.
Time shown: **6:28**
